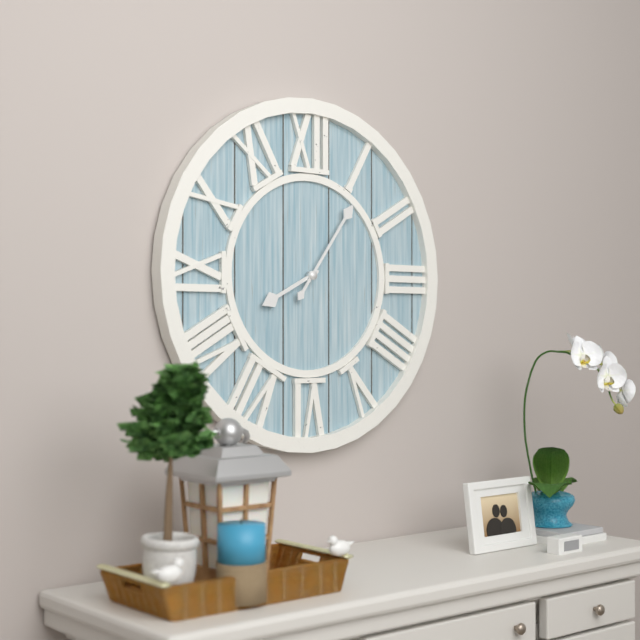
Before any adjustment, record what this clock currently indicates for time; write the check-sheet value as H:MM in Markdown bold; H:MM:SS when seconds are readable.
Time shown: **8:06**
